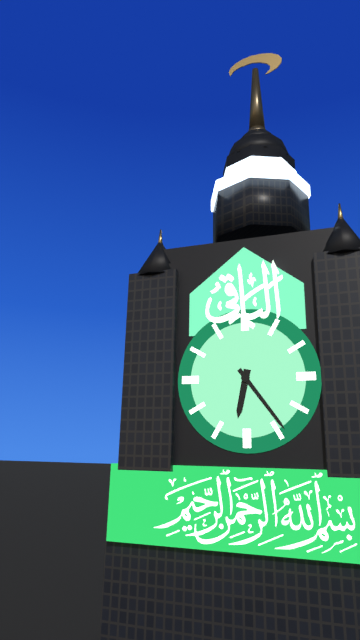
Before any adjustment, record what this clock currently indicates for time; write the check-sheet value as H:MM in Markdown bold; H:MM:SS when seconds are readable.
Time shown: **6:24**
